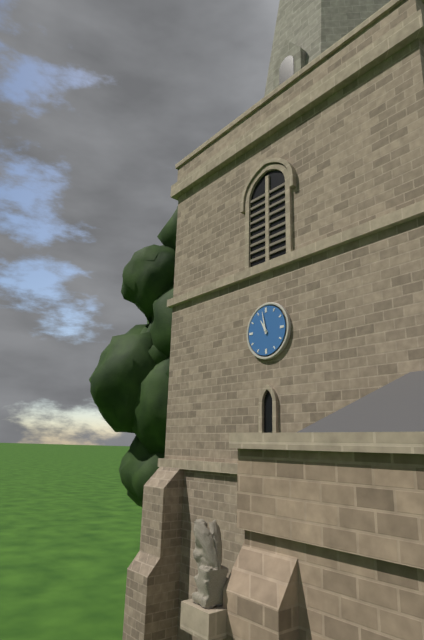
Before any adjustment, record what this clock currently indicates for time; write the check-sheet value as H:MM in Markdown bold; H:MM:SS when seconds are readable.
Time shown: **10:58**
